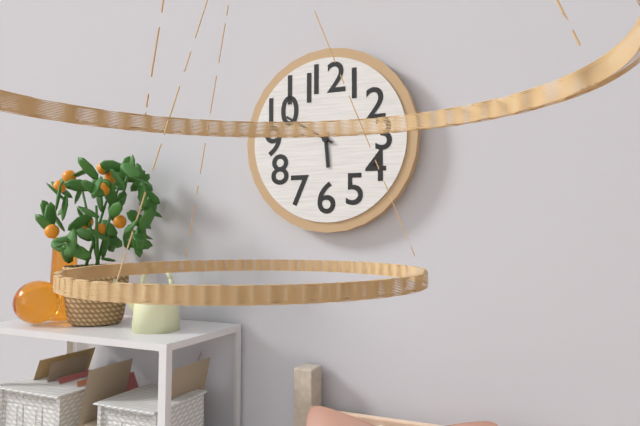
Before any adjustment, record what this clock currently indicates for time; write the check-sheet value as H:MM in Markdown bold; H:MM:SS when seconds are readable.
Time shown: **5:50**
